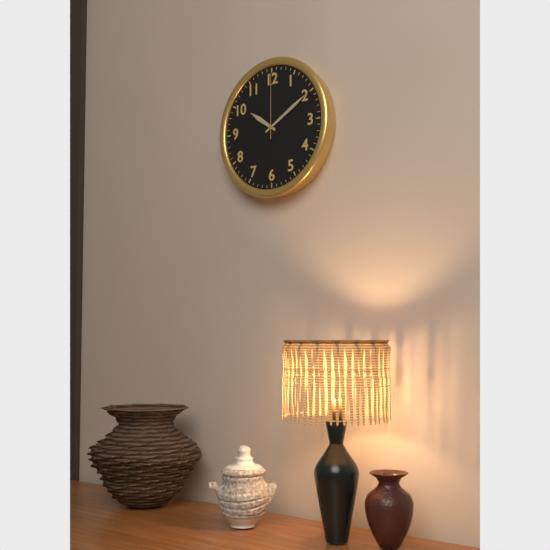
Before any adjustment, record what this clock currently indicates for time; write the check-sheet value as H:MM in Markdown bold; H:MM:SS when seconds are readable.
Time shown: **10:10:00**
